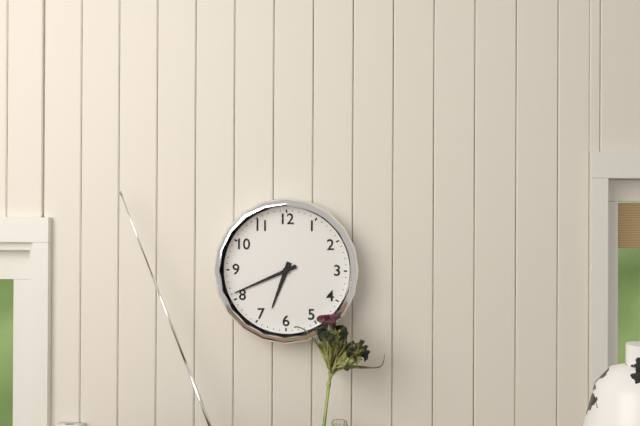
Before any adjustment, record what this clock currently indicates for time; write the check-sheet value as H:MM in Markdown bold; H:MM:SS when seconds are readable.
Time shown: **6:41**
